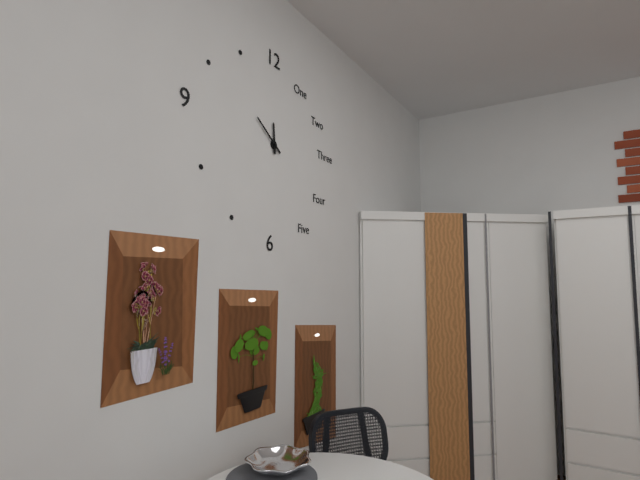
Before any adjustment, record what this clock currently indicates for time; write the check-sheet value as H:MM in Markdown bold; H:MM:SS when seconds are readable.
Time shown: **11:51**
